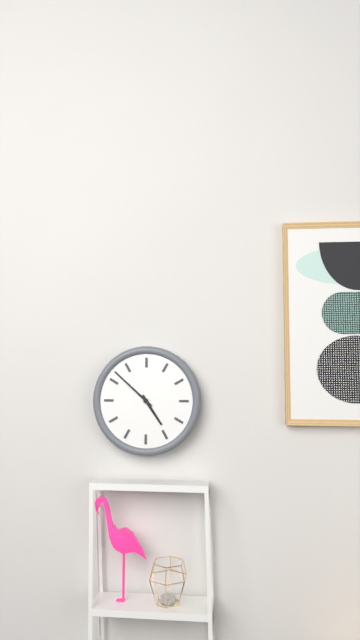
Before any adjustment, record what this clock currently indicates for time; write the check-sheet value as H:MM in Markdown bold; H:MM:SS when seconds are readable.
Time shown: **4:52**
